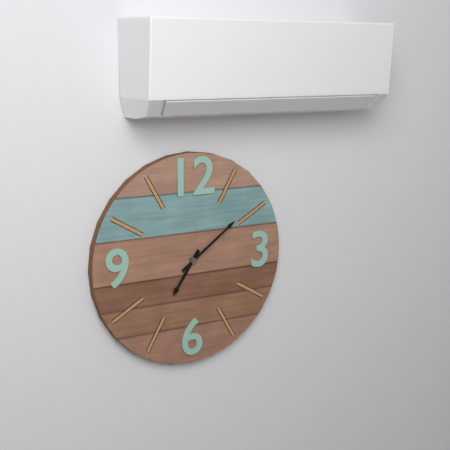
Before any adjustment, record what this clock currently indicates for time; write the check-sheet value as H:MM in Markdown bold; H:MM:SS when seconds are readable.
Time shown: **7:09**
